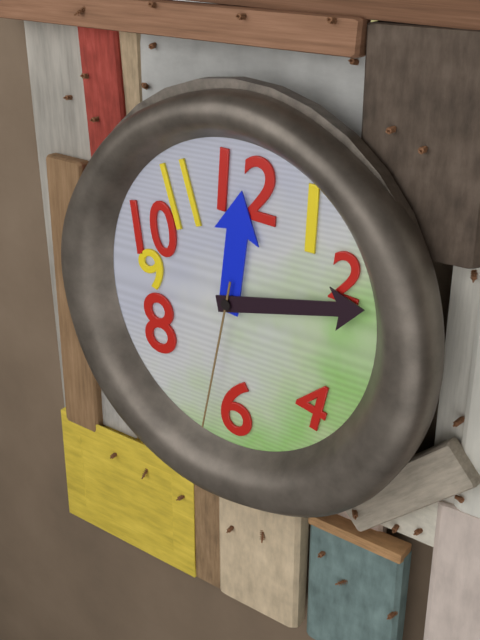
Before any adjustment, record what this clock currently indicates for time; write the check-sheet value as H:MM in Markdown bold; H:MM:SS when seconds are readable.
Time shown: **12:13:32**
